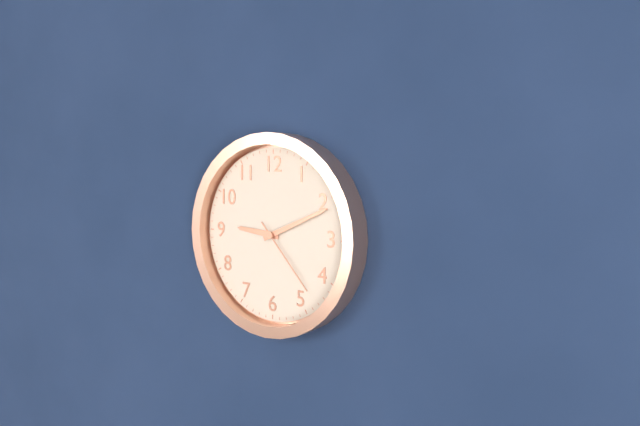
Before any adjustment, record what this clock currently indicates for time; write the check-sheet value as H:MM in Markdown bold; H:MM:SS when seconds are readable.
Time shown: **9:11:23**
